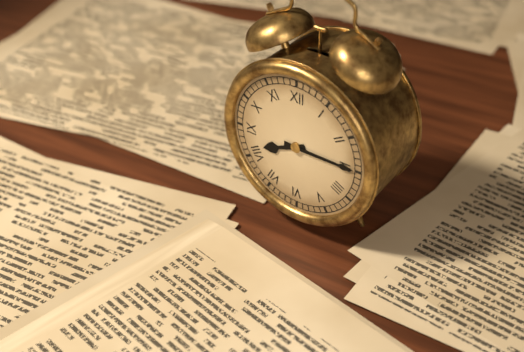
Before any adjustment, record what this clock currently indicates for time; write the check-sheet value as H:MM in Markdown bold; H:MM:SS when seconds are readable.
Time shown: **8:15**
